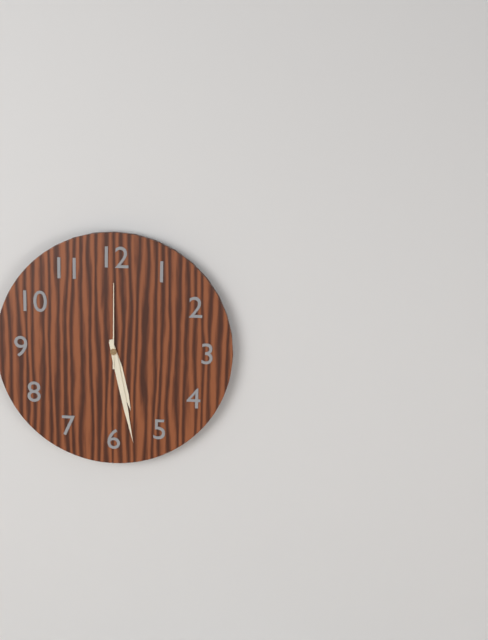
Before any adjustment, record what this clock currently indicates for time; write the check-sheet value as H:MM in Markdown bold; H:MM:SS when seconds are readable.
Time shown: **5:28:00**
